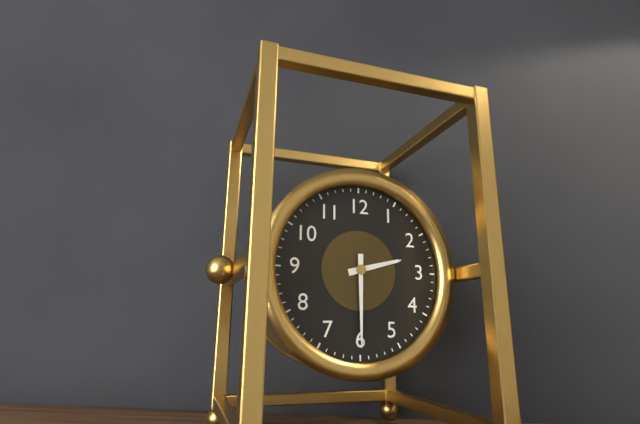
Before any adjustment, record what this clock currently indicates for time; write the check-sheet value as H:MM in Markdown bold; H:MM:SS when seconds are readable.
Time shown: **2:30**
